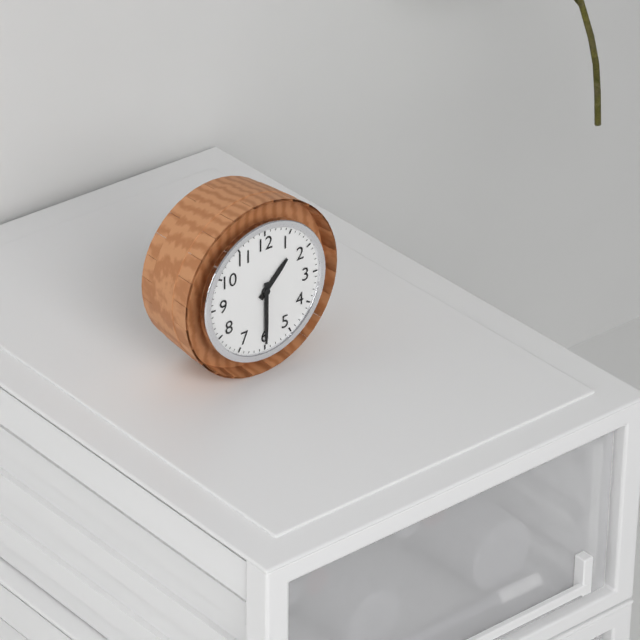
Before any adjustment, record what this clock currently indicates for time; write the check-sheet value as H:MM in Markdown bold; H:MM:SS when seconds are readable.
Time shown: **1:30**
